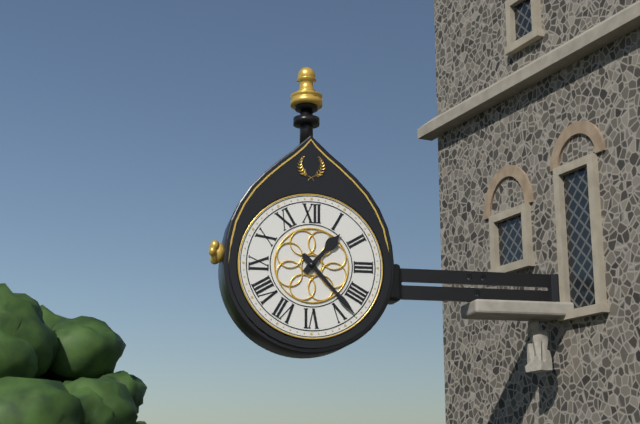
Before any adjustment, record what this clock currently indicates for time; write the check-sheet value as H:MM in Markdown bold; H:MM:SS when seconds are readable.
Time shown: **1:23**
